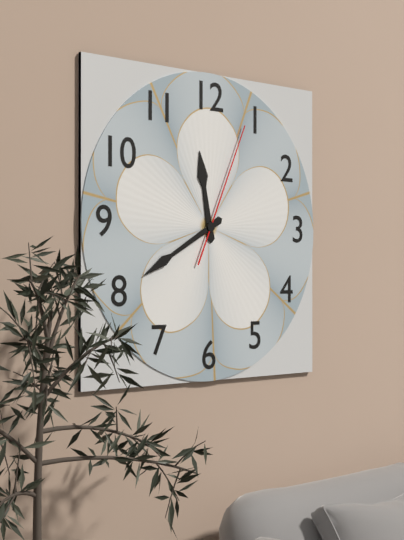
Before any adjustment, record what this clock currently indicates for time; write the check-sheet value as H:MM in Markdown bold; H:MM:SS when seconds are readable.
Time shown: **11:40:04**
